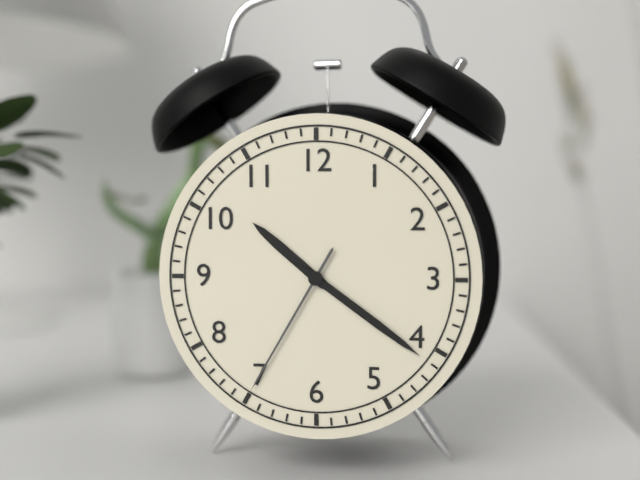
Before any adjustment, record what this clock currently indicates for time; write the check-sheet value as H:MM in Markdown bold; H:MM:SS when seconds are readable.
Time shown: **10:21:35**
